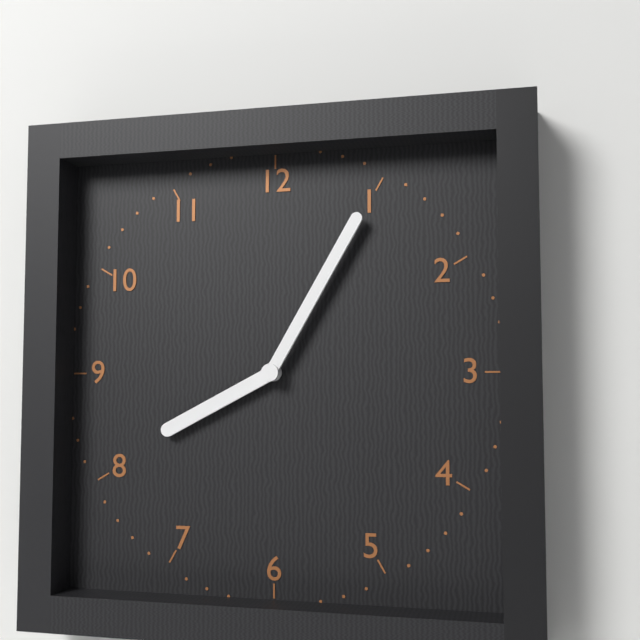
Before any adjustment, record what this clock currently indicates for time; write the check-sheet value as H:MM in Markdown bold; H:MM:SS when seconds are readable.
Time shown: **8:05**
